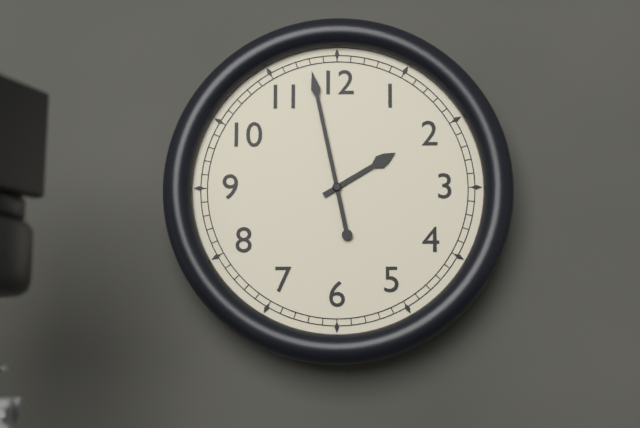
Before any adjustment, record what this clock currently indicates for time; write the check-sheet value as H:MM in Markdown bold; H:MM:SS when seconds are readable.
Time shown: **1:58**
